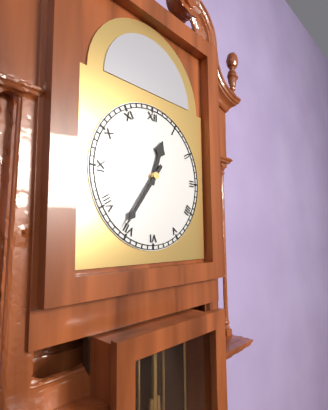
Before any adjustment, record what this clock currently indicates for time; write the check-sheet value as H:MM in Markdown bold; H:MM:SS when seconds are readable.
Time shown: **12:36**
